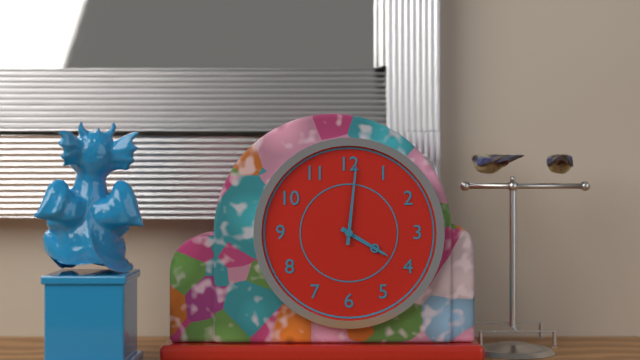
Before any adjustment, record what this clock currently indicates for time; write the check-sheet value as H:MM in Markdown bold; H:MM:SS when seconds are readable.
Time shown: **4:01**
